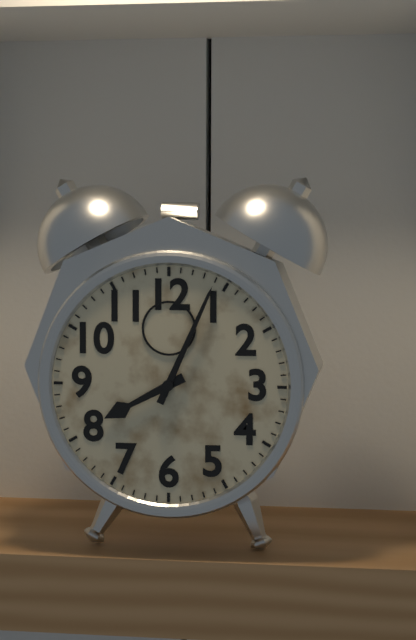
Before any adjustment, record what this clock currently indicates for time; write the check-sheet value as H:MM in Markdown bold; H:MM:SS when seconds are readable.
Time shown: **8:04**
